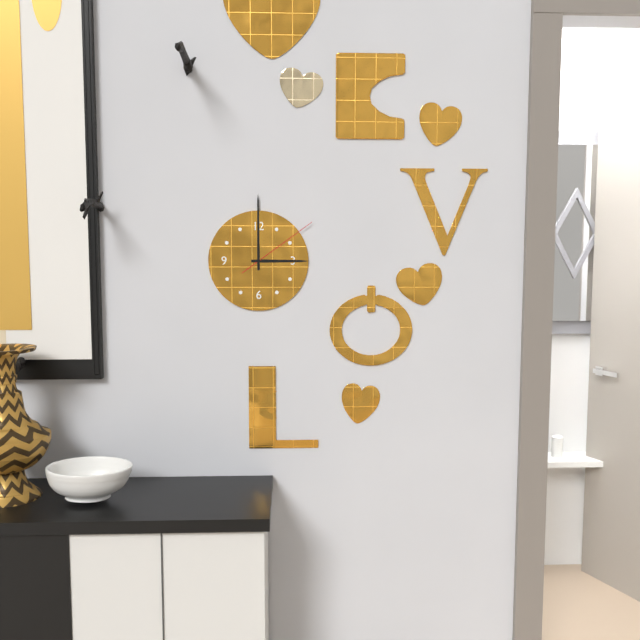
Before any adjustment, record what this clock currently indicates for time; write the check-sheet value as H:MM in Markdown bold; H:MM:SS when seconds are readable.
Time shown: **3:00:09**
